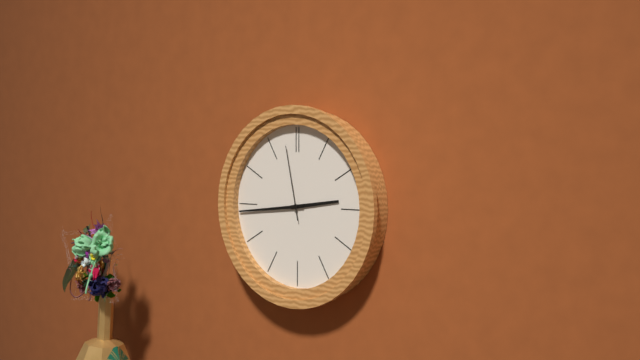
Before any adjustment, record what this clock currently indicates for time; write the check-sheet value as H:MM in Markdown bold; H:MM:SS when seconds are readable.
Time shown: **2:44:58**
